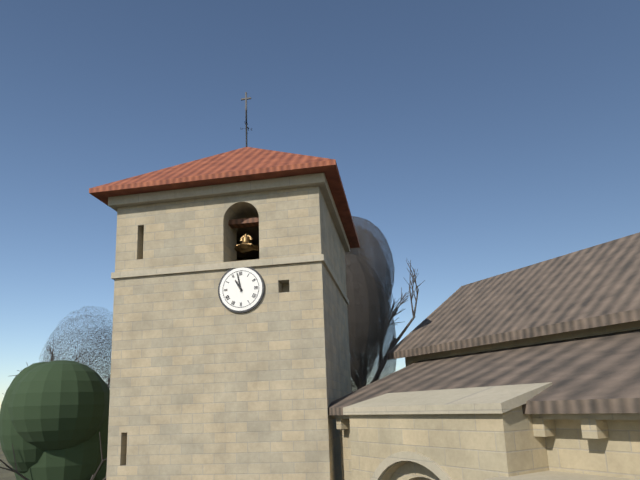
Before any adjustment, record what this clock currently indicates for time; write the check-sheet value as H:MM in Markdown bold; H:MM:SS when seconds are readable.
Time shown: **10:58**
